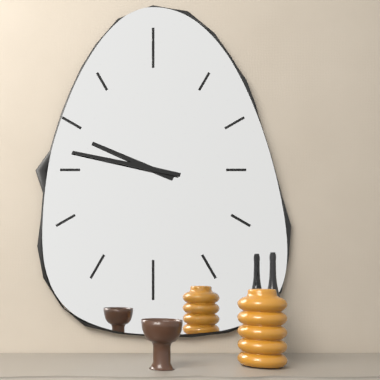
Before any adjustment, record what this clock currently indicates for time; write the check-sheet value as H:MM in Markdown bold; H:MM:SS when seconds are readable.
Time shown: **9:47**
